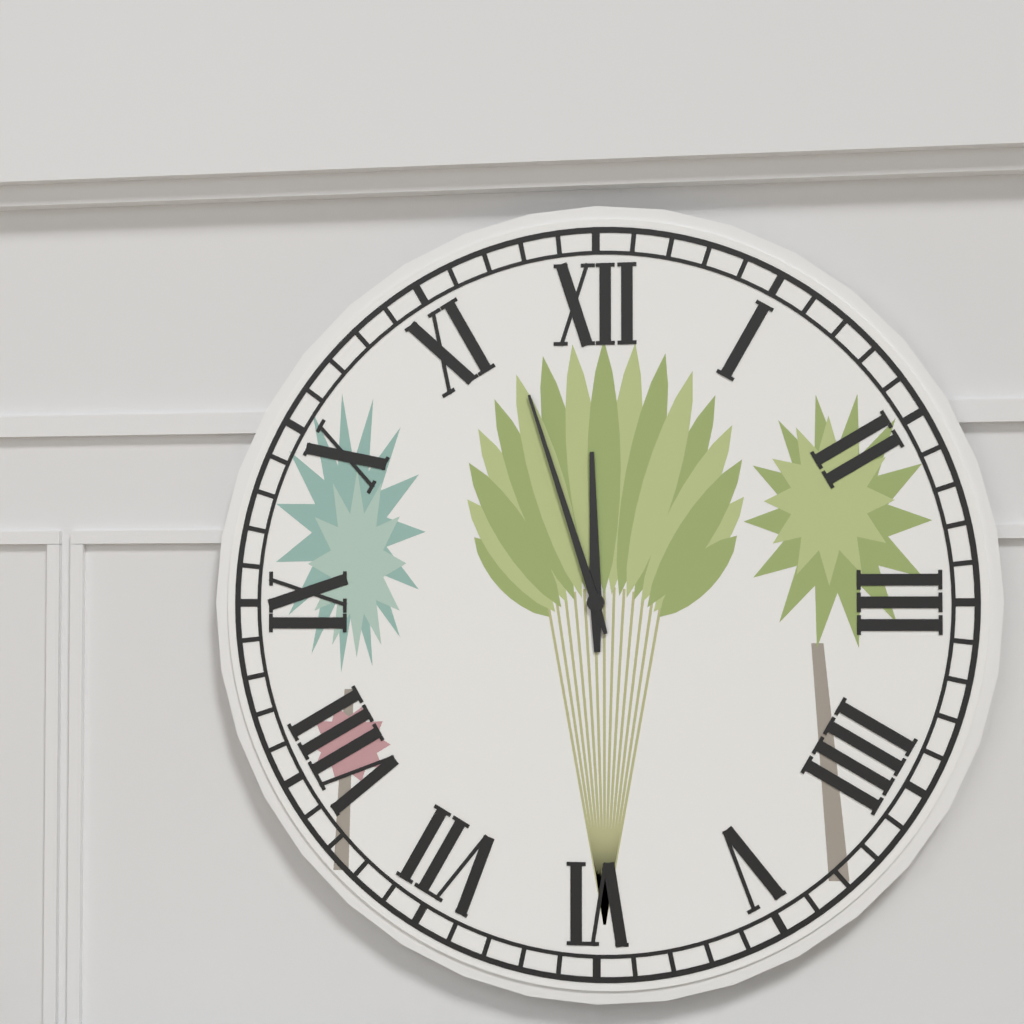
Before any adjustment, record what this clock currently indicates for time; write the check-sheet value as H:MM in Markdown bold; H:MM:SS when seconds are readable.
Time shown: **11:57**
